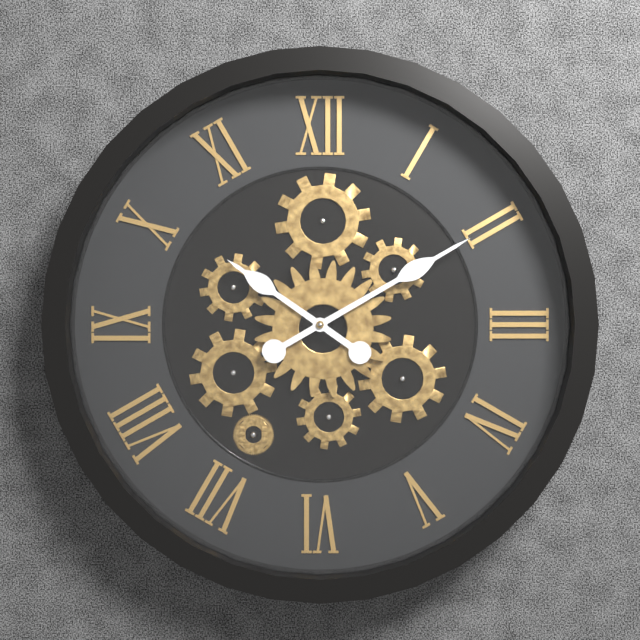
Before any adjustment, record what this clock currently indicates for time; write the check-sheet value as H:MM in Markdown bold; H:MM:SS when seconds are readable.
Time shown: **10:10**
